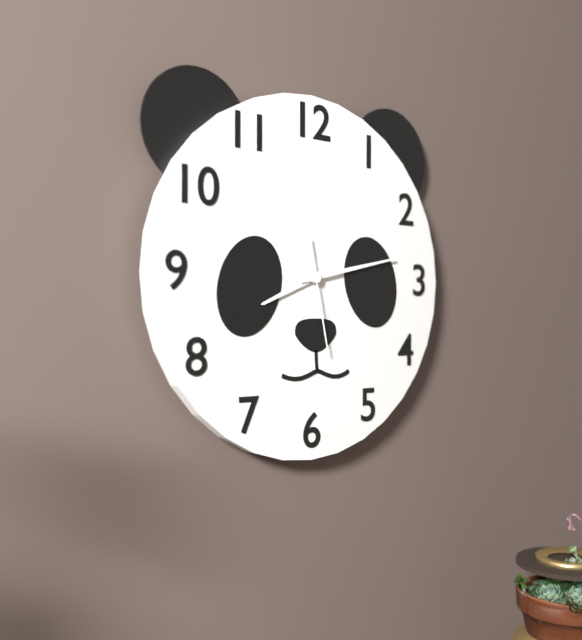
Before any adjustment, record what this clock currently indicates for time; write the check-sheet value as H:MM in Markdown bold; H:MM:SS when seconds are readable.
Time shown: **8:13:28**
